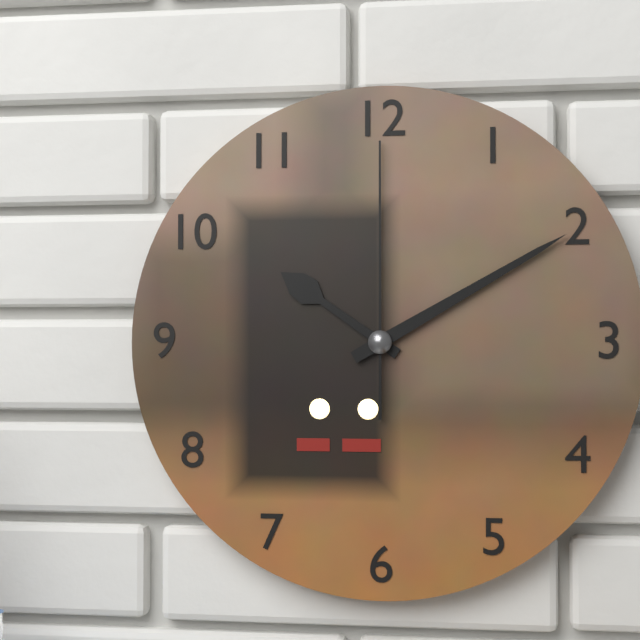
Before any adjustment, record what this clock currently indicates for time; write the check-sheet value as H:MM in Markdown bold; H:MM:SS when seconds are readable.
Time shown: **10:10:00**
